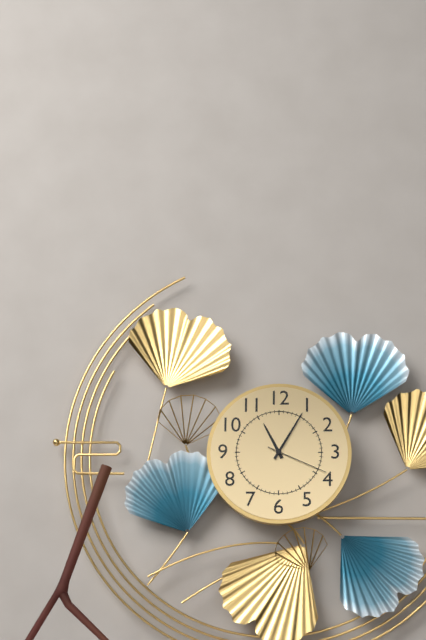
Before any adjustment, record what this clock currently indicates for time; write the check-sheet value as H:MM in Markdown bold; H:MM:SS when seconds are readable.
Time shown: **11:05:19**
